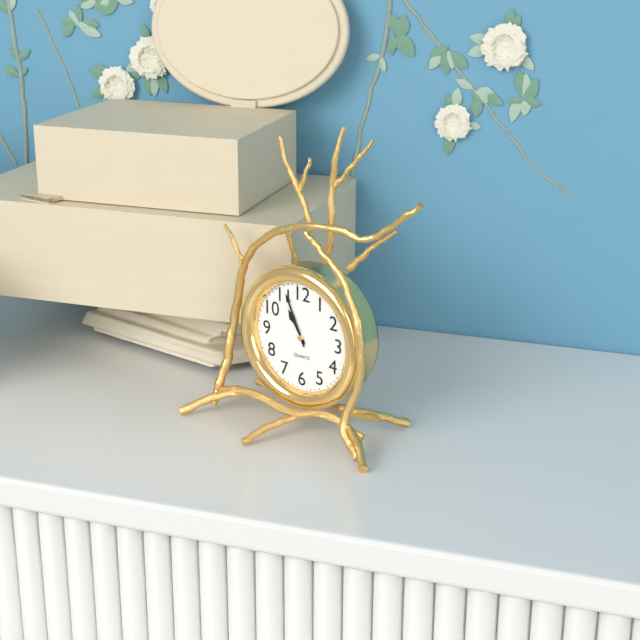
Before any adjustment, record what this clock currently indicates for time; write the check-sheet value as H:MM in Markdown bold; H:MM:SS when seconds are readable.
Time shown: **10:56**
